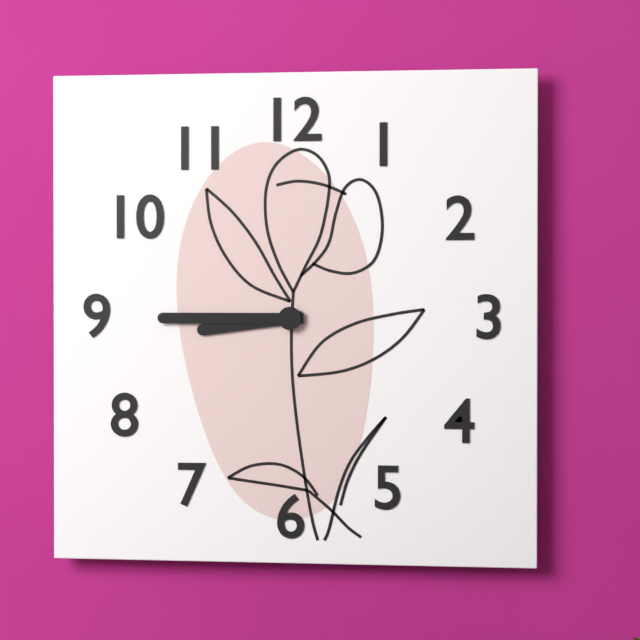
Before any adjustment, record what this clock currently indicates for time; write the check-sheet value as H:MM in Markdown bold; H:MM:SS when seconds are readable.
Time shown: **8:45**
